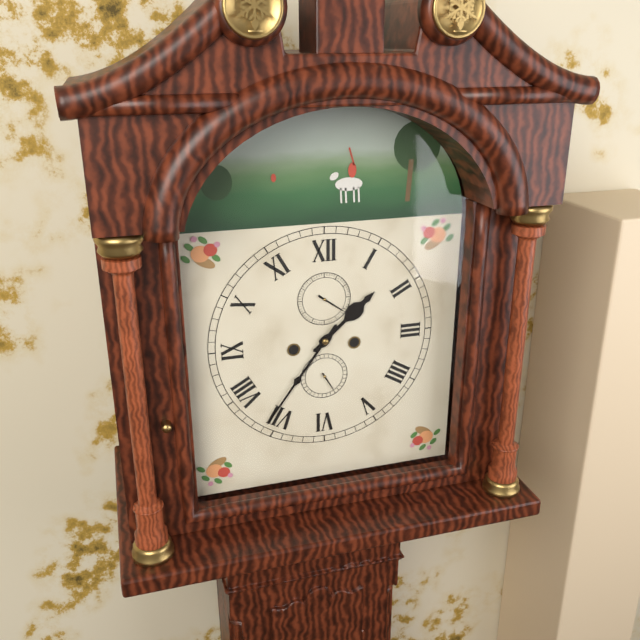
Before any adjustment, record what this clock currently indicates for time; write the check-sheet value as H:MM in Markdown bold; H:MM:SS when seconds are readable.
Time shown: **1:36**
